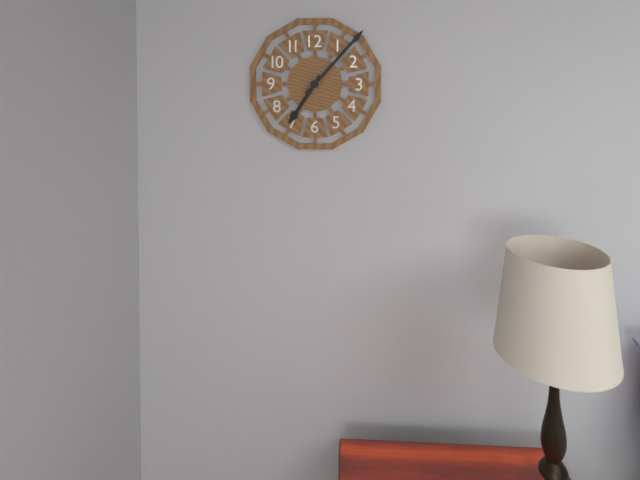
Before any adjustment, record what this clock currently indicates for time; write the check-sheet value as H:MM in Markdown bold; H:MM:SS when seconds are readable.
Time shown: **7:07**
